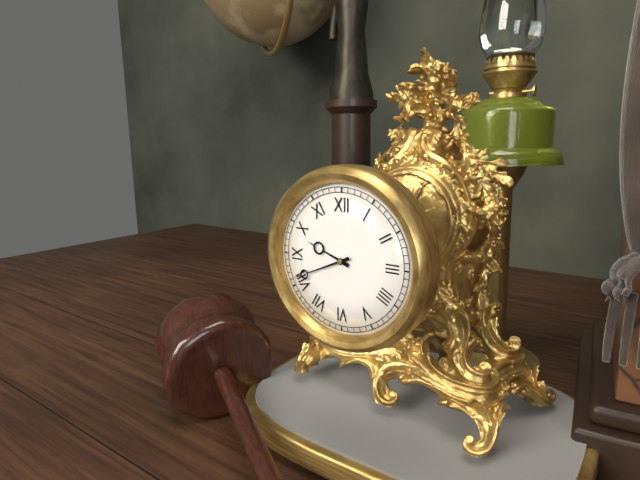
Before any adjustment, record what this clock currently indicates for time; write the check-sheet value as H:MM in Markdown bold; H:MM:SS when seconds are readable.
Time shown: **9:41**
